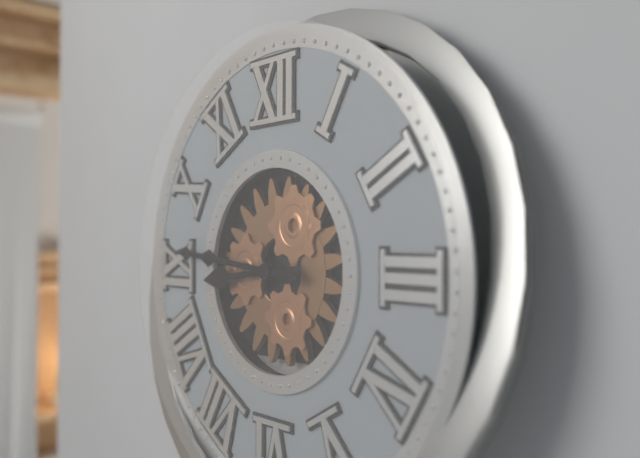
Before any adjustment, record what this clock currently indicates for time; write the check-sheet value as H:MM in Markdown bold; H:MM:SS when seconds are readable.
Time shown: **8:46**
